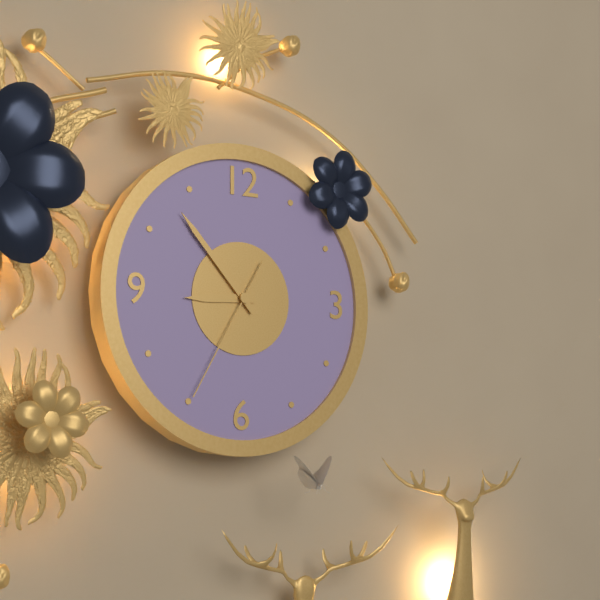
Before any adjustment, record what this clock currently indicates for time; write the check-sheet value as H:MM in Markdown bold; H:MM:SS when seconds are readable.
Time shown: **8:53:35**
